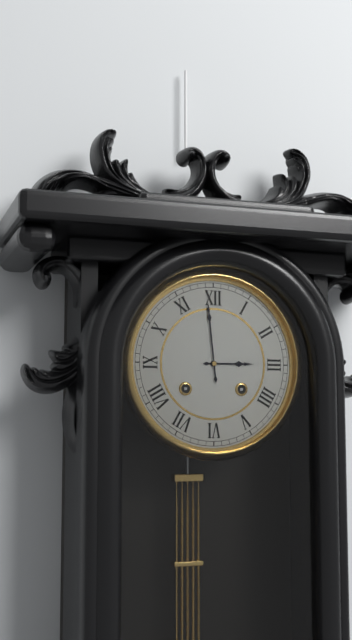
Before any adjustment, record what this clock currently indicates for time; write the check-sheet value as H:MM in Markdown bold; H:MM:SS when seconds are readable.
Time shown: **2:59**
